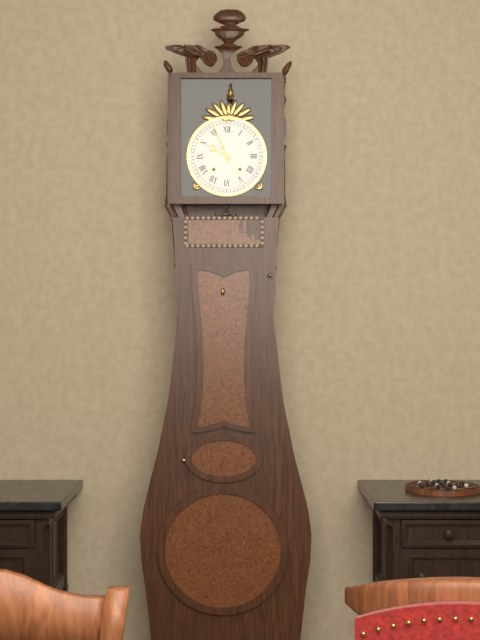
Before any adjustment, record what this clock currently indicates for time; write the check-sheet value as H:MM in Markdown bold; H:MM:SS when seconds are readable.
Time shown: **9:56**
